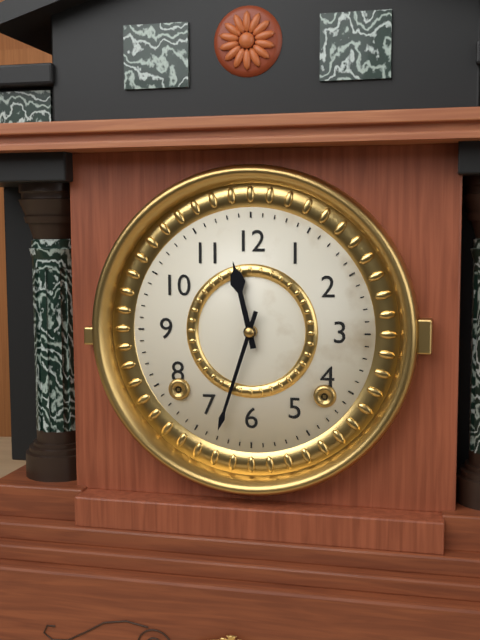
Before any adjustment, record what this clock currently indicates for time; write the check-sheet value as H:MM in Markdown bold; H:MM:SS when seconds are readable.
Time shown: **11:33**
